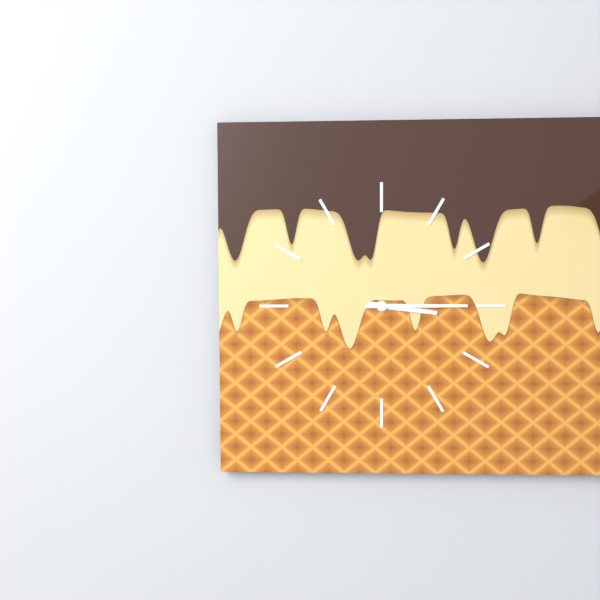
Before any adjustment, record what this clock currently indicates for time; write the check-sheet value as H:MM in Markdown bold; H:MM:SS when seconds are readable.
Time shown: **3:15**
